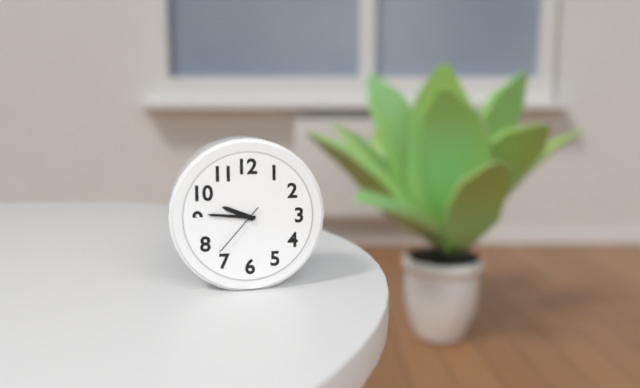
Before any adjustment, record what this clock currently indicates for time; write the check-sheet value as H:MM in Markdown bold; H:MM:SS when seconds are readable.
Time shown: **9:46:37**
